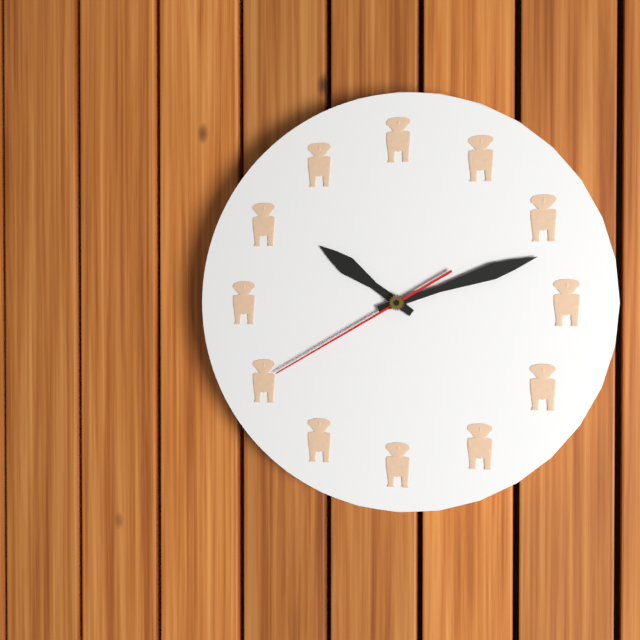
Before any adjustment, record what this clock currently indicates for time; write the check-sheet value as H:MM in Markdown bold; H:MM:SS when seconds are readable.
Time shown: **10:12:40**
